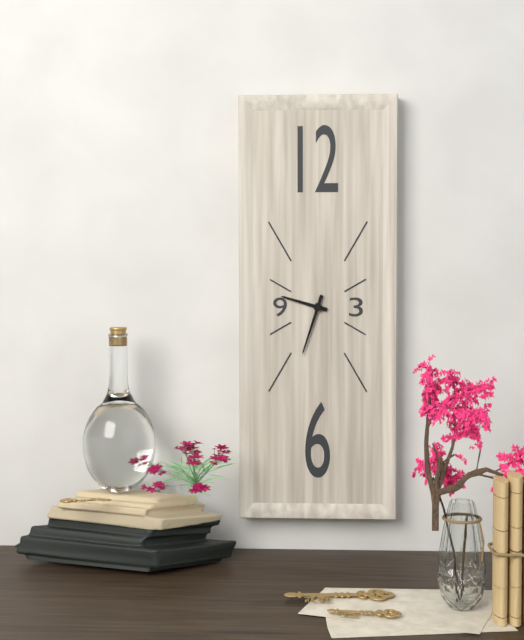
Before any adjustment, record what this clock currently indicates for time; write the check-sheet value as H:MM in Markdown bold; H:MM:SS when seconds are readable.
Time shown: **9:33**
